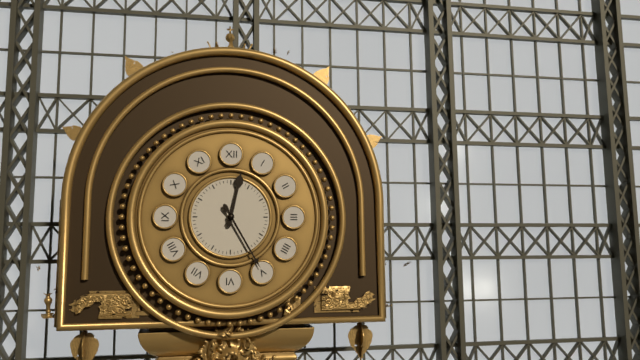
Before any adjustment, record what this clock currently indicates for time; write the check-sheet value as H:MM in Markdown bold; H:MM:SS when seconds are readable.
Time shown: **12:25**
